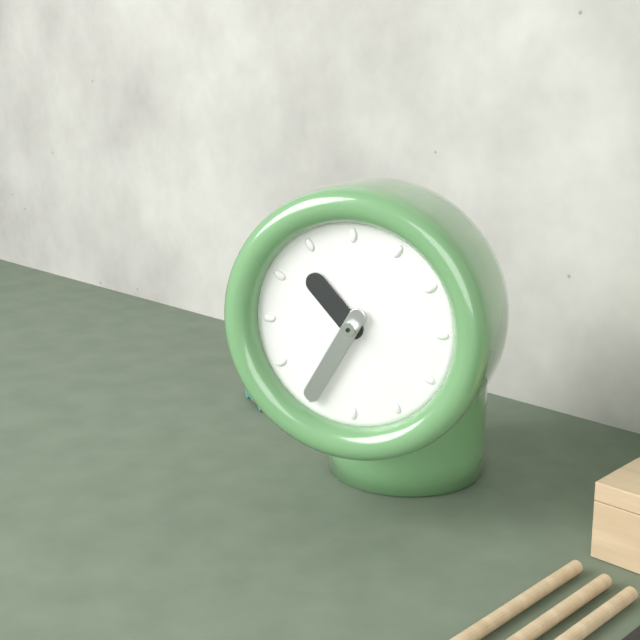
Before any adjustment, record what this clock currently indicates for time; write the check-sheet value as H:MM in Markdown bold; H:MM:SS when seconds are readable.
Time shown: **10:35**
